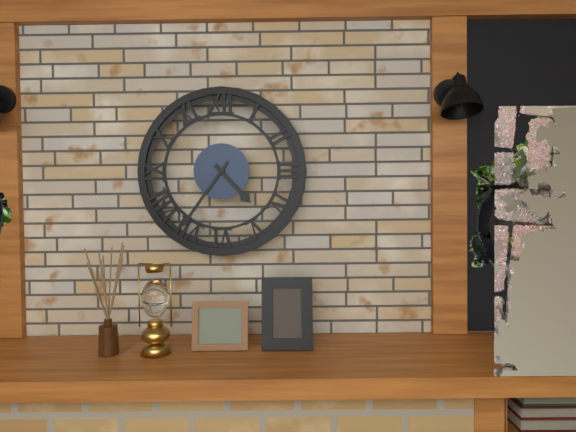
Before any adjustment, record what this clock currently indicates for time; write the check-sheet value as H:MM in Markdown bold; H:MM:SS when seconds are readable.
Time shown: **4:36**
